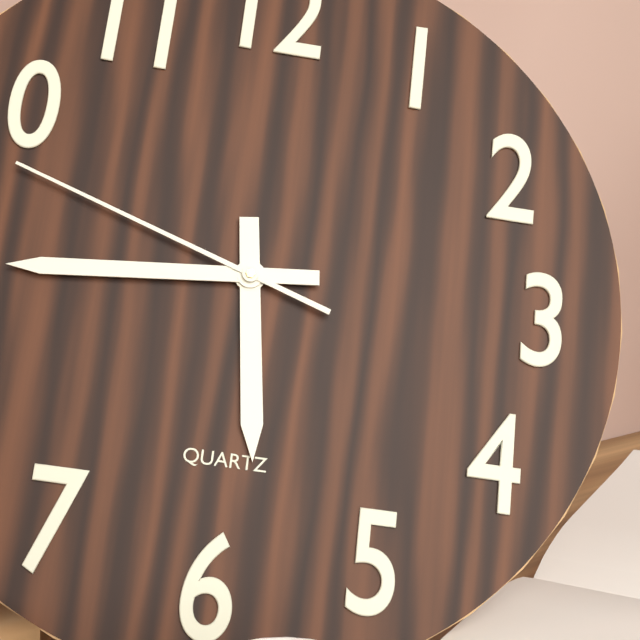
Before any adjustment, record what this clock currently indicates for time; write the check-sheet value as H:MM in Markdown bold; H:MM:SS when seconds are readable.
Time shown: **5:44:48**
